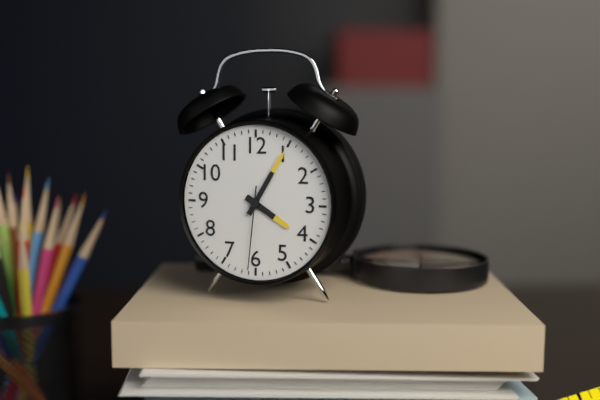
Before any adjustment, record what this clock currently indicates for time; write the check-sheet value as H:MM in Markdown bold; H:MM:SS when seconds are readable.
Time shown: **4:05:31**
